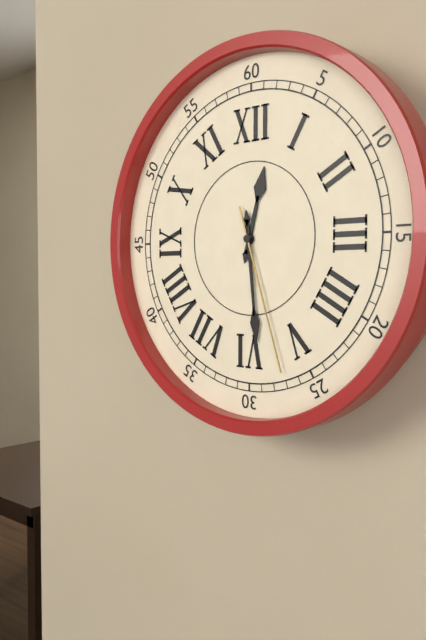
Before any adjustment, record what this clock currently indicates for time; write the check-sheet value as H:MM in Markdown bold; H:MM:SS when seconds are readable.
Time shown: **12:29:27**
